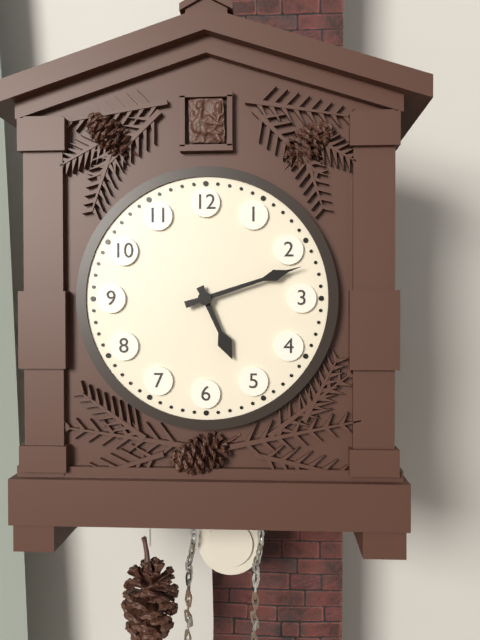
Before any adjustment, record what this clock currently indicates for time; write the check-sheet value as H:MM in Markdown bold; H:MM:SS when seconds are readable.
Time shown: **5:12**
